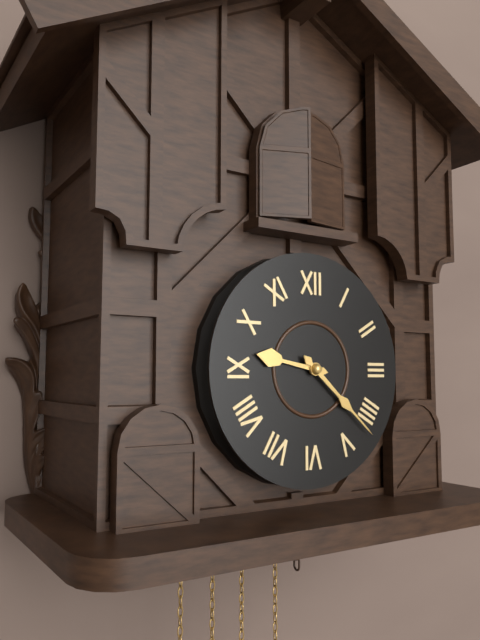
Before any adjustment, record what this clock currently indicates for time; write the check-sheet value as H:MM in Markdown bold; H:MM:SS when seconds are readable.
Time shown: **9:22**
